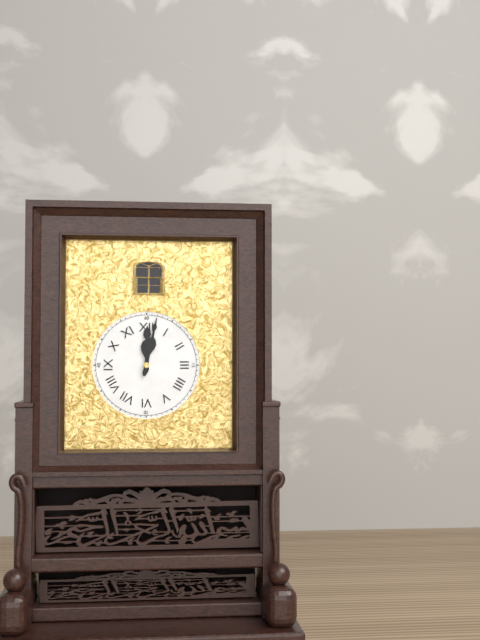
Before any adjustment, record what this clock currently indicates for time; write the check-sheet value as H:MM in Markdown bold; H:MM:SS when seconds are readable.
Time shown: **12:02**
